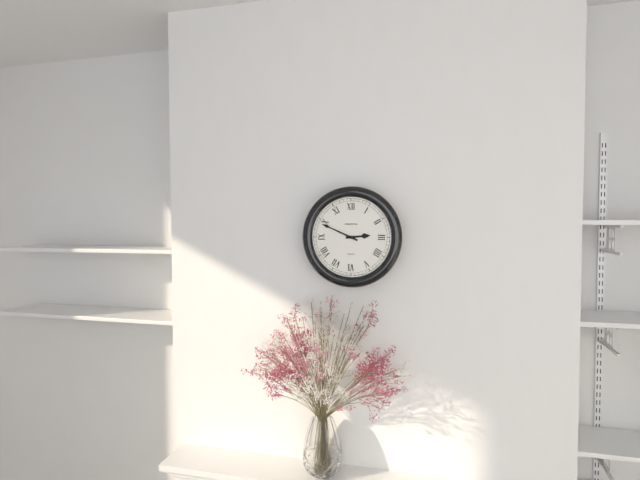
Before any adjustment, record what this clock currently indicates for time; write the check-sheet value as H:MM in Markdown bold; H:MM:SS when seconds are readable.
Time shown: **2:49**
